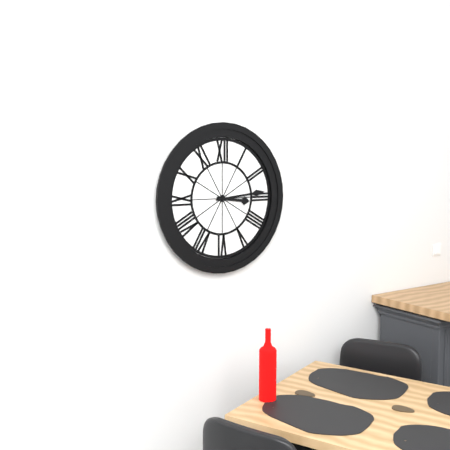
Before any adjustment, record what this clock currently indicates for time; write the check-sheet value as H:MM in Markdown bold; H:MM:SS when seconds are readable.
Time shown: **3:14**
